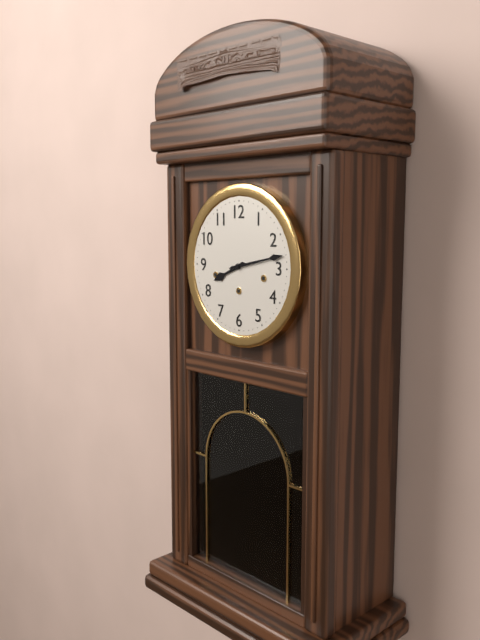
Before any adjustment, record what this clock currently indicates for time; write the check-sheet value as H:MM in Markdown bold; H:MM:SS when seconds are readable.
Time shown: **8:13**
